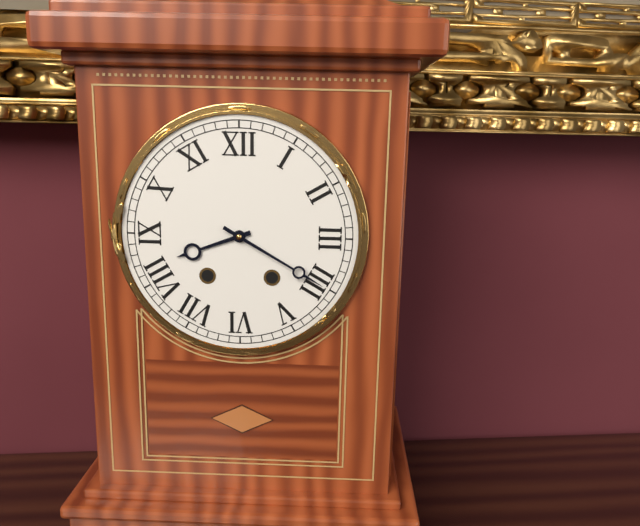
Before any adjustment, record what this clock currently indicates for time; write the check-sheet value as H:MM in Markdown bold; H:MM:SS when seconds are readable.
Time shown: **8:20**
